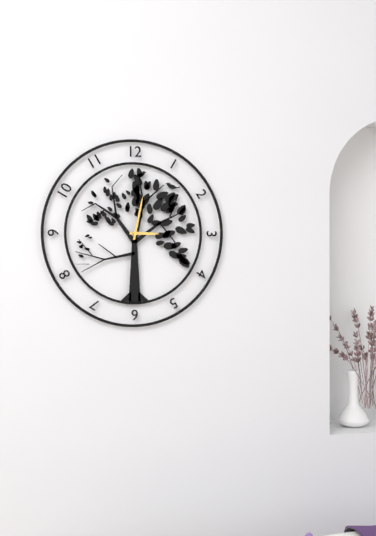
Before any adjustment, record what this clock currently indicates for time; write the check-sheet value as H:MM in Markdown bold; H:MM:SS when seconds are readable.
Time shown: **3:02**
